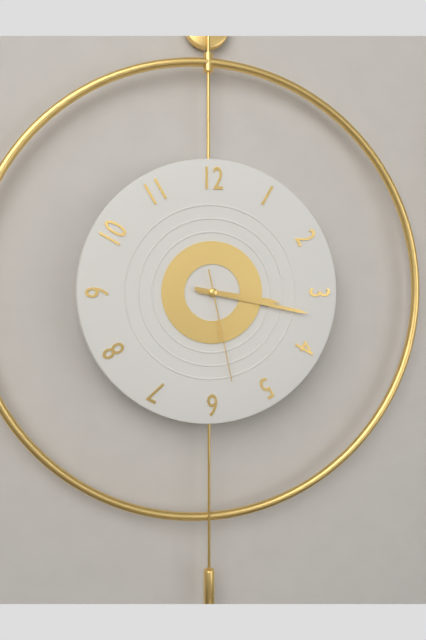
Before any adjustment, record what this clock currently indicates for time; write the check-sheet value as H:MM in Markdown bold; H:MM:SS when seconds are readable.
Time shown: **3:17:28**
